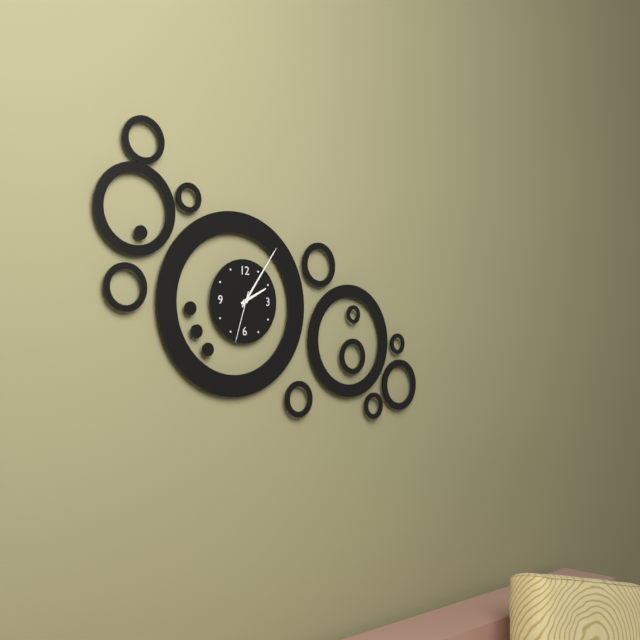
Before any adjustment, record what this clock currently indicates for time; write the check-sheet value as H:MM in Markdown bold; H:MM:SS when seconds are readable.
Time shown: **2:06:33**
